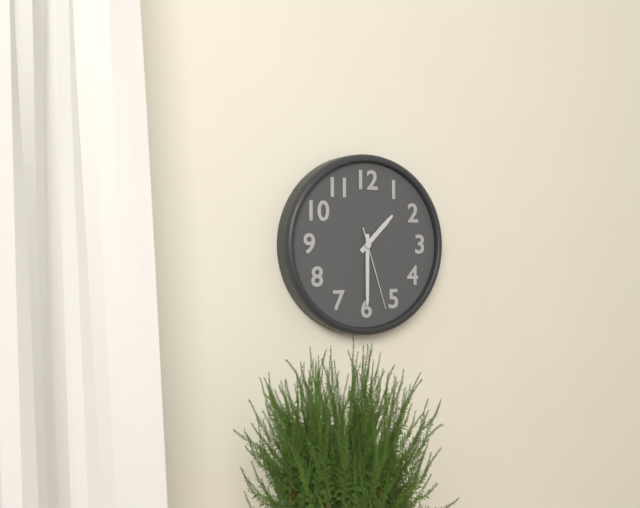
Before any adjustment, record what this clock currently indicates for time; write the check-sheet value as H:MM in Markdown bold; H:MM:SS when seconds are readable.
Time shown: **1:30:27**
